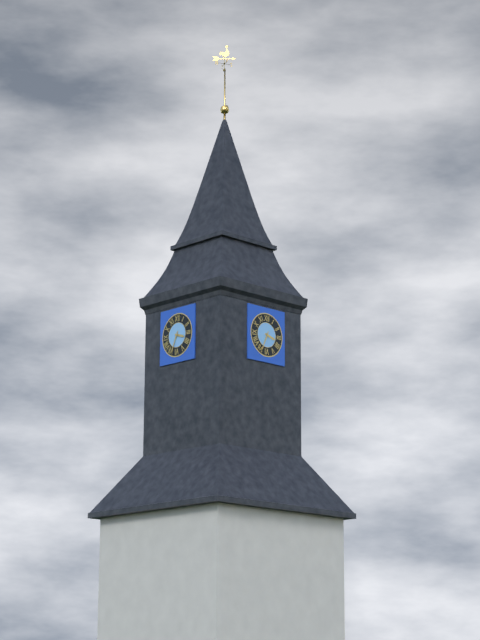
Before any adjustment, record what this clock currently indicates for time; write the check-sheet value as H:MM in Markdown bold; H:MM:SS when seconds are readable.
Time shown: **3:34**
